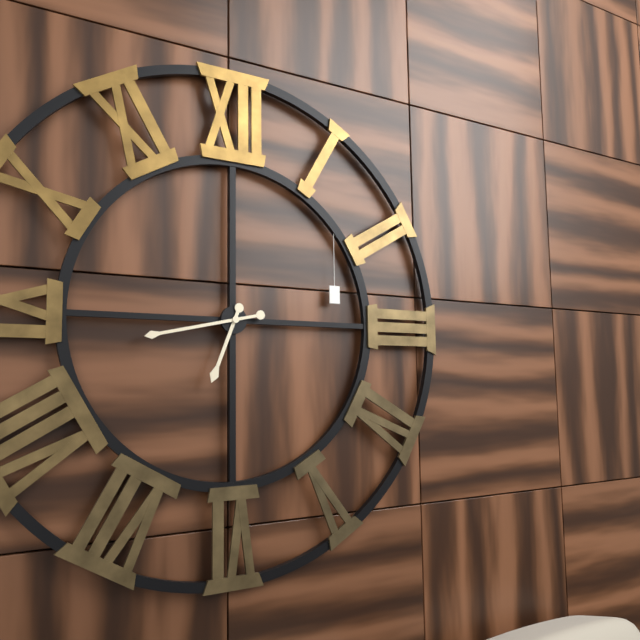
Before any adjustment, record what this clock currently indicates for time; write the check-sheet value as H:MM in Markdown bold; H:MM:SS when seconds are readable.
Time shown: **6:43**
